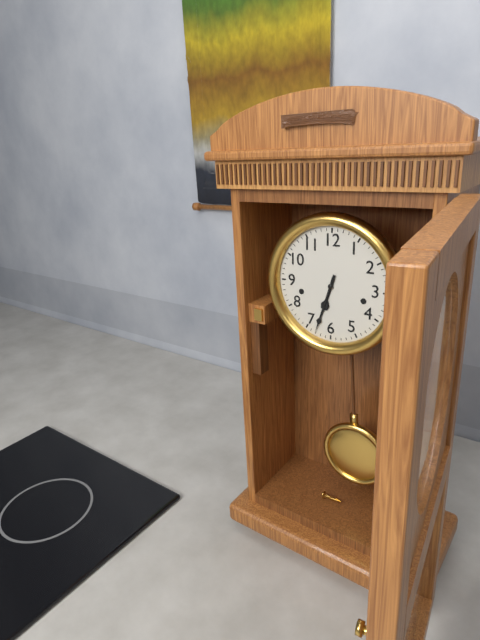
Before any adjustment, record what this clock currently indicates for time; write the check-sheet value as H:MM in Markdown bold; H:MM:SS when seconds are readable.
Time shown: **6:33**
